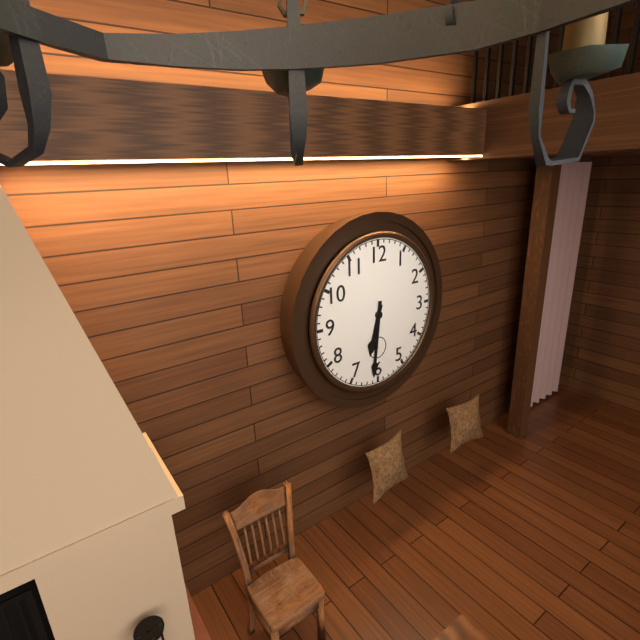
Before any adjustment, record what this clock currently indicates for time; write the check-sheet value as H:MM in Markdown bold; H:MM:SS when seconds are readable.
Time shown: **6:31**
